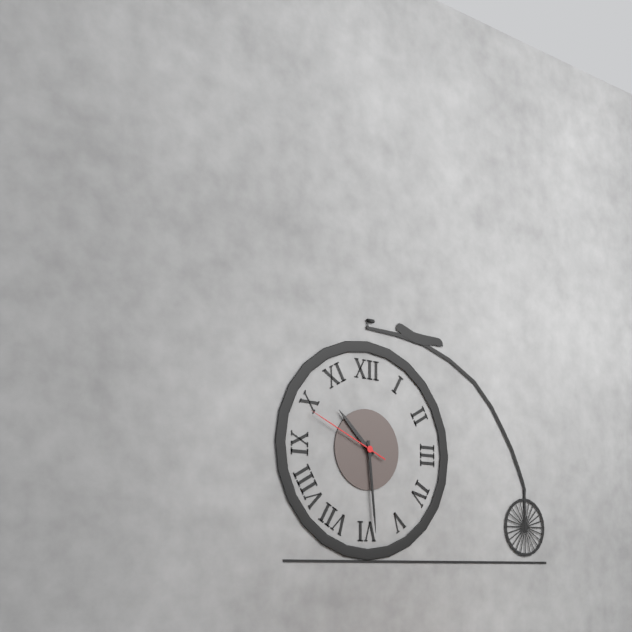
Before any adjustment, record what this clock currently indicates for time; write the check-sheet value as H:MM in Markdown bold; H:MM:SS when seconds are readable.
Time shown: **10:29:49**
